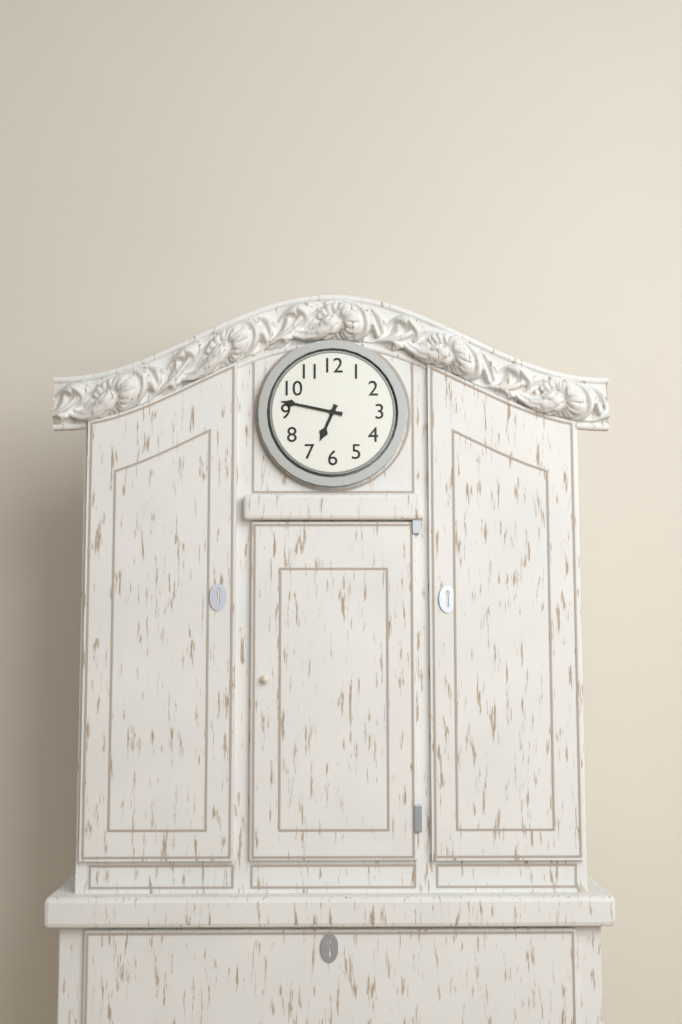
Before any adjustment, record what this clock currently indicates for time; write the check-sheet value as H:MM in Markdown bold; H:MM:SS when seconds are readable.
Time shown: **6:47**
